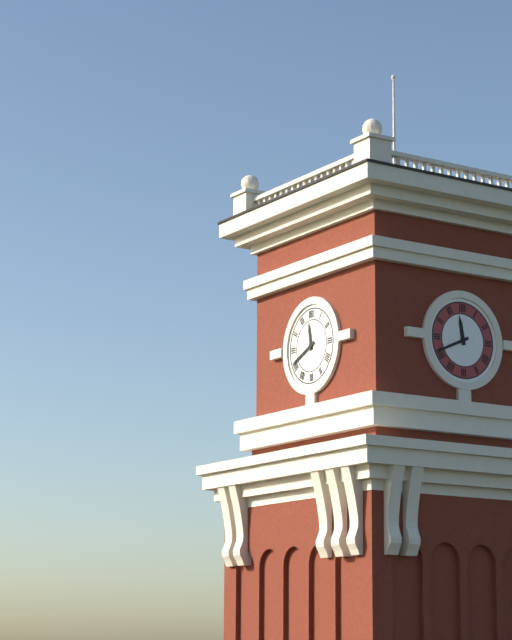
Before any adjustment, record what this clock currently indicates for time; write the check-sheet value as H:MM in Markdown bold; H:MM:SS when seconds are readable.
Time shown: **11:41**
